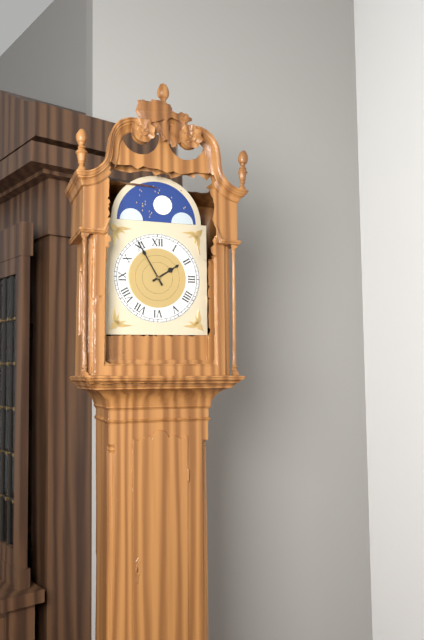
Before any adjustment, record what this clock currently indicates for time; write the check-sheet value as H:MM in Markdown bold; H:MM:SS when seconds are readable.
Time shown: **1:55**
